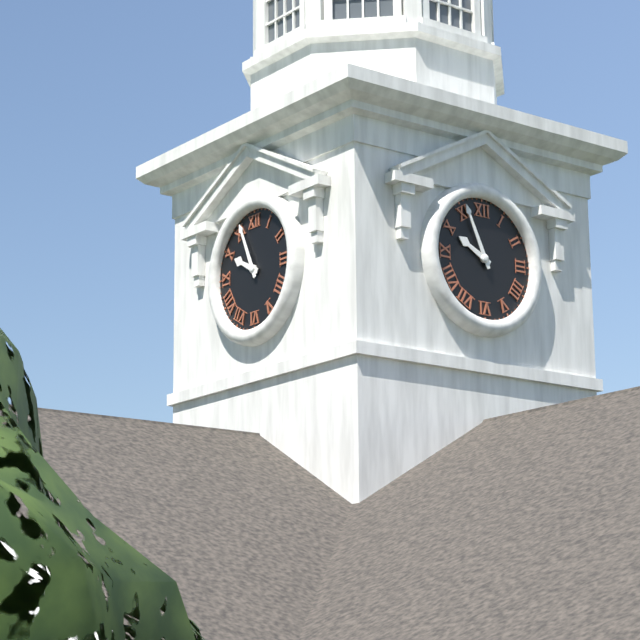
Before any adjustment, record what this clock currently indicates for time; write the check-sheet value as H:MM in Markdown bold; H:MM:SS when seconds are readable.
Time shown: **9:56**
